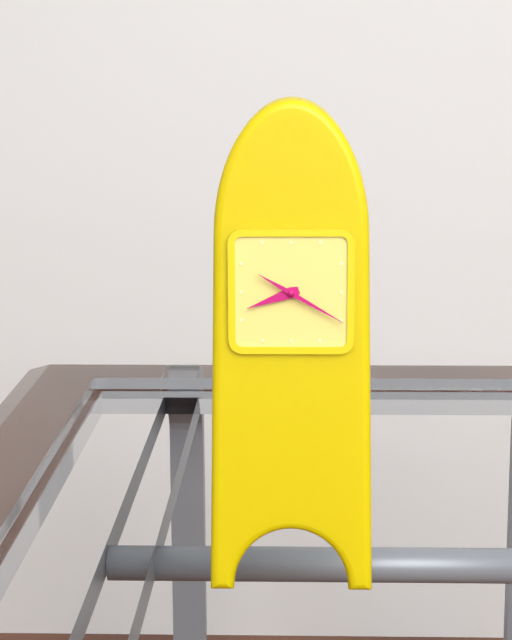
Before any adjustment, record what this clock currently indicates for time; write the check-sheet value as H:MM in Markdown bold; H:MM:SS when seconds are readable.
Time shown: **8:20**
